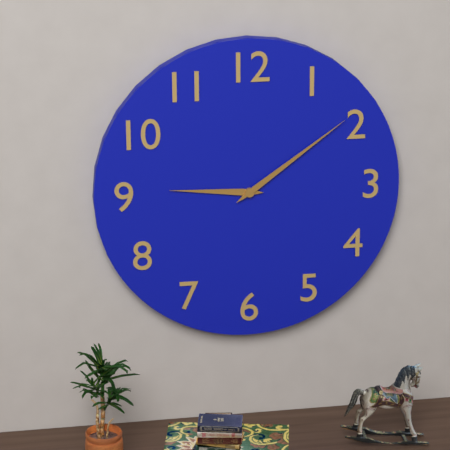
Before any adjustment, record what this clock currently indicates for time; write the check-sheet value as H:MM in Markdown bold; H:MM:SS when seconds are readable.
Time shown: **9:09**
